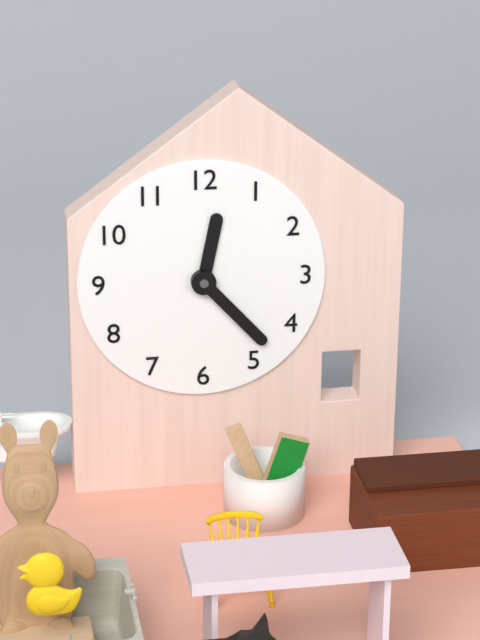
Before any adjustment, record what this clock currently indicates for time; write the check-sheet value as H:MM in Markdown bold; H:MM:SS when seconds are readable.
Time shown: **12:23**
